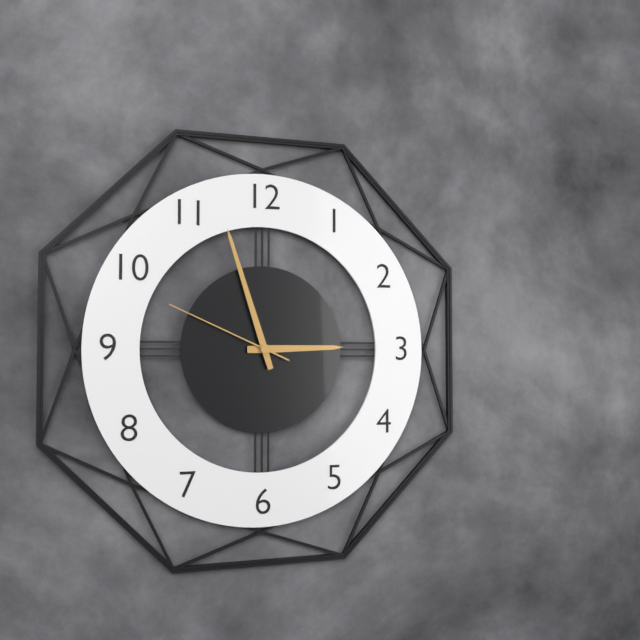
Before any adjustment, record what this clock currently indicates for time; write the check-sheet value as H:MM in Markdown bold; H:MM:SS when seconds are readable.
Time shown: **2:57:49**
